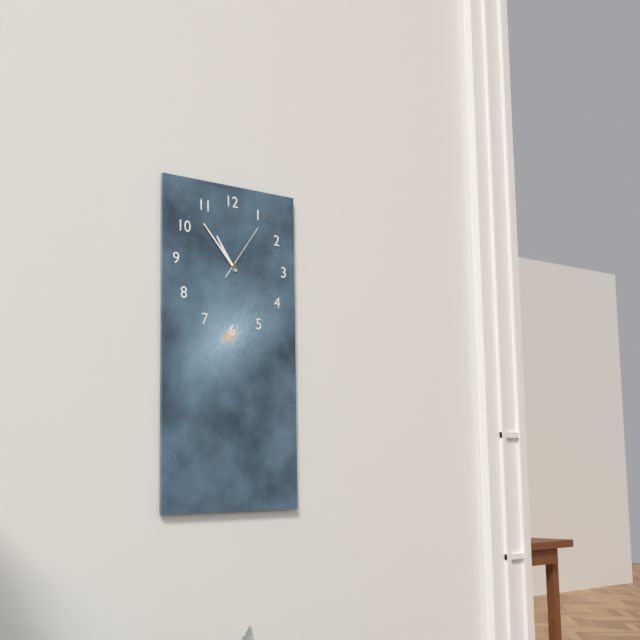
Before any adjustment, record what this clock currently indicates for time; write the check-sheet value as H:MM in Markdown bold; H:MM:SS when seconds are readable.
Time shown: **10:53:06**
